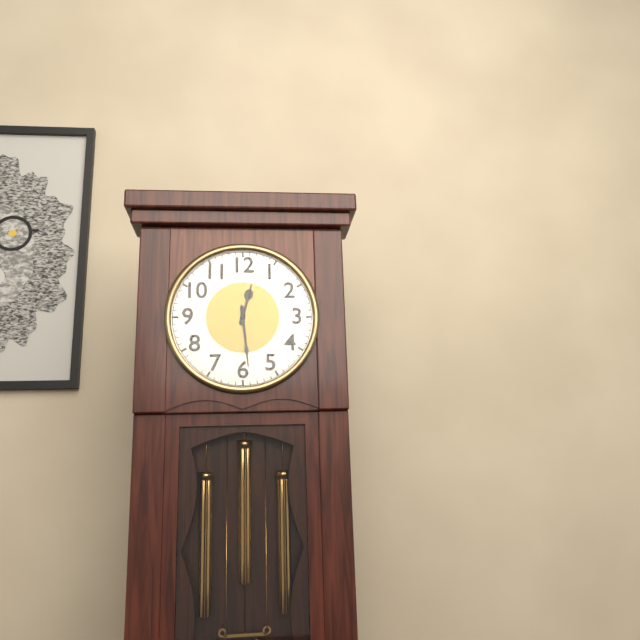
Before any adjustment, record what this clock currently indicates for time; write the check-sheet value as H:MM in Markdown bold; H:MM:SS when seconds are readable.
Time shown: **12:29**
